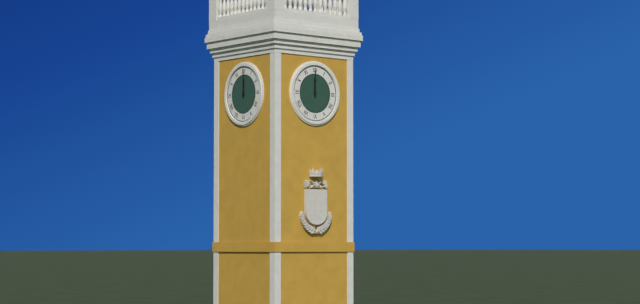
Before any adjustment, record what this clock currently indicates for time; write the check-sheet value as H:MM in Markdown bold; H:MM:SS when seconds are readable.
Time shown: **12:00**
